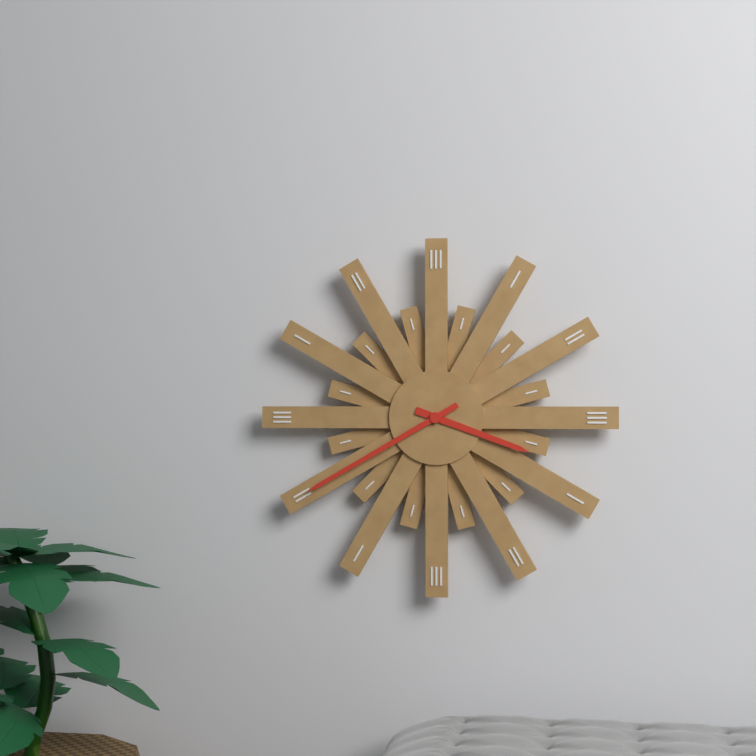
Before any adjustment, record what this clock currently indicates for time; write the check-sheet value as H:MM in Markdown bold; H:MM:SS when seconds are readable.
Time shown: **3:40**
